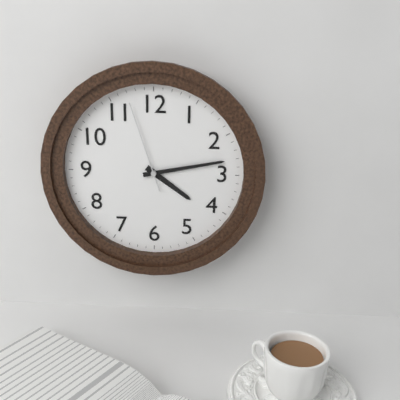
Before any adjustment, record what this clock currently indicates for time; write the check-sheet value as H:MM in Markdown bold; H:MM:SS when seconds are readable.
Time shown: **4:13:57**
